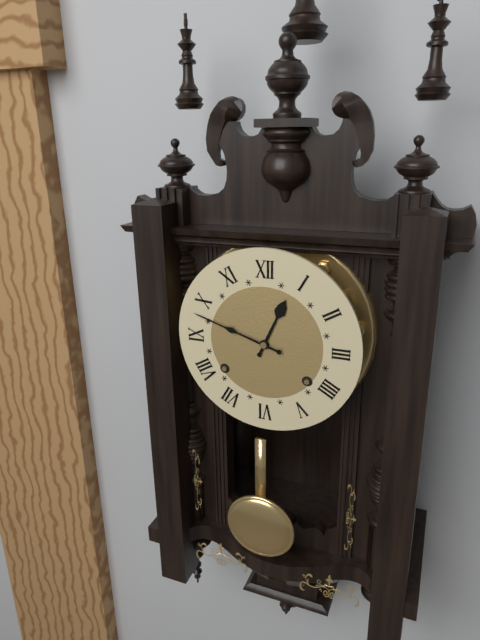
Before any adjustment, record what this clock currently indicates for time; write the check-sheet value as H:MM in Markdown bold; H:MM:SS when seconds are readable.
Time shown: **12:48**
